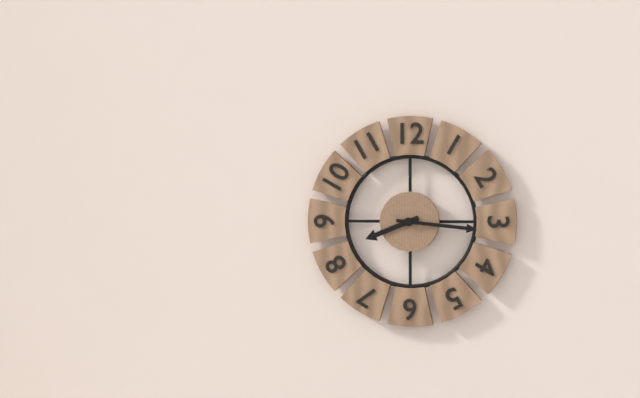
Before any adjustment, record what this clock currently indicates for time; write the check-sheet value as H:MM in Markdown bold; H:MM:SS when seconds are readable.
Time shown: **8:16**
